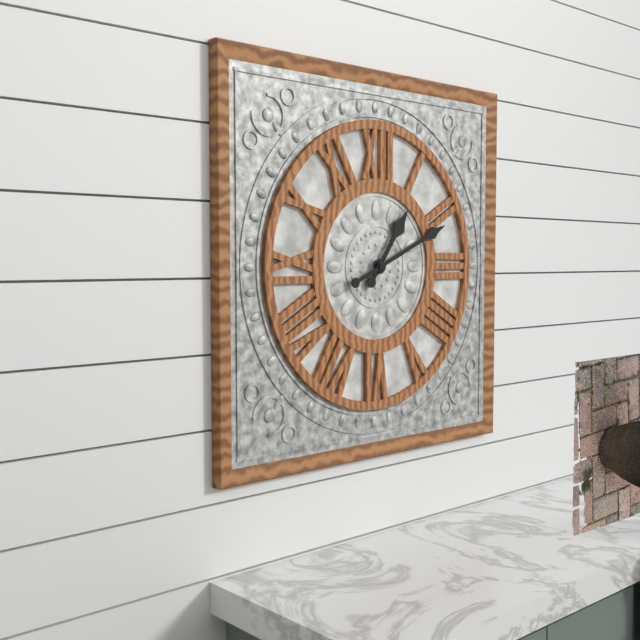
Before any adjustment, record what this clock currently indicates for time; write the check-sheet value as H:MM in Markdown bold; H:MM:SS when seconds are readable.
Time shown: **1:11**
